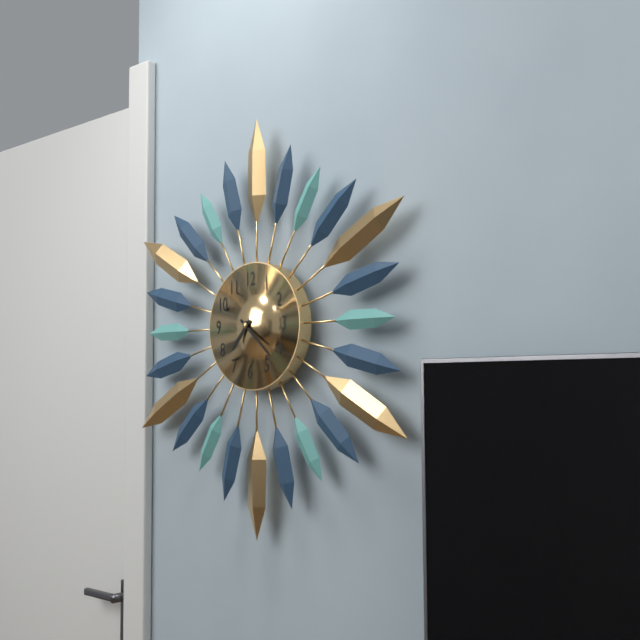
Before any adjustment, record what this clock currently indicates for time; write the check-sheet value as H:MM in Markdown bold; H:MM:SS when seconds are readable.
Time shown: **7:22**
